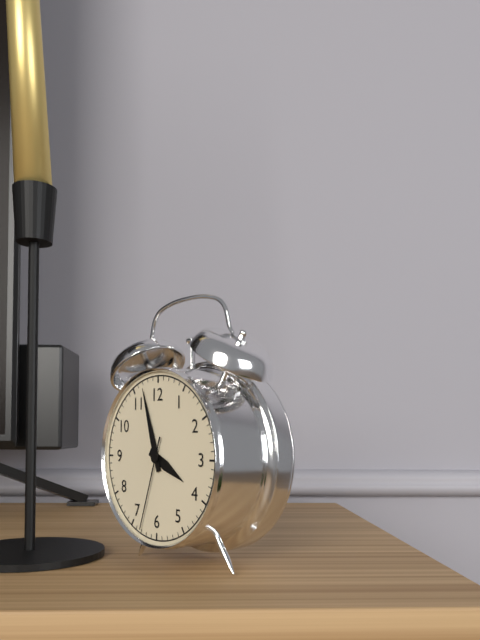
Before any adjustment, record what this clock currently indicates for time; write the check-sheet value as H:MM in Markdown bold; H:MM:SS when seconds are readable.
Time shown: **3:57:33**
